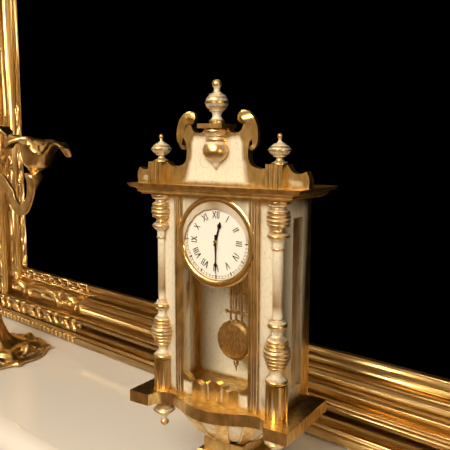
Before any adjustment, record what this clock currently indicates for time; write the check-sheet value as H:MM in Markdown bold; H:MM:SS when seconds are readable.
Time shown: **12:30**
